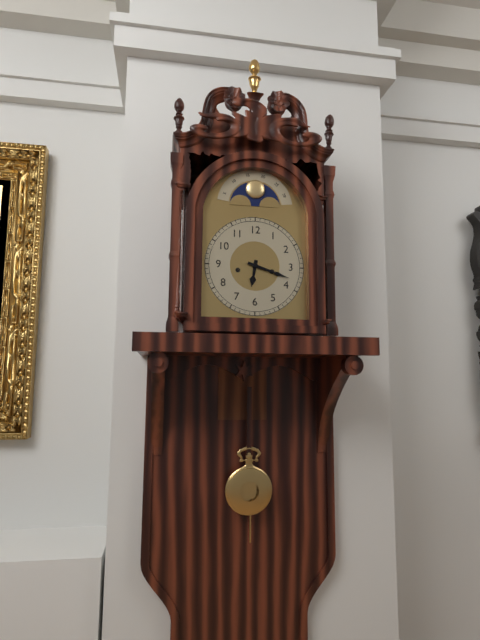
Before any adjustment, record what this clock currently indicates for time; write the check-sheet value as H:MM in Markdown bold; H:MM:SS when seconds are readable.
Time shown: **6:18**
